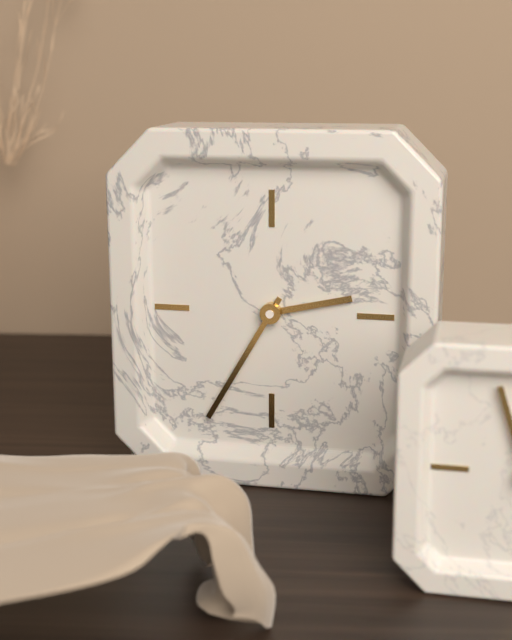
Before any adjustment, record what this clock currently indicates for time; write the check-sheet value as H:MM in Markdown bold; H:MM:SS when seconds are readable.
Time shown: **2:35**
